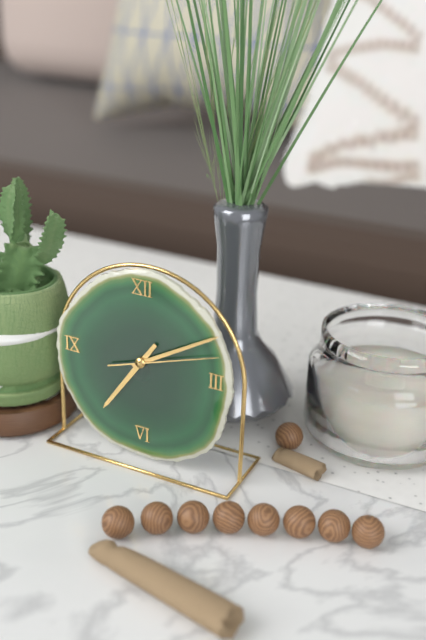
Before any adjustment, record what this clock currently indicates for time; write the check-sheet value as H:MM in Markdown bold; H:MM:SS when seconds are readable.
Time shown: **7:10:12**
